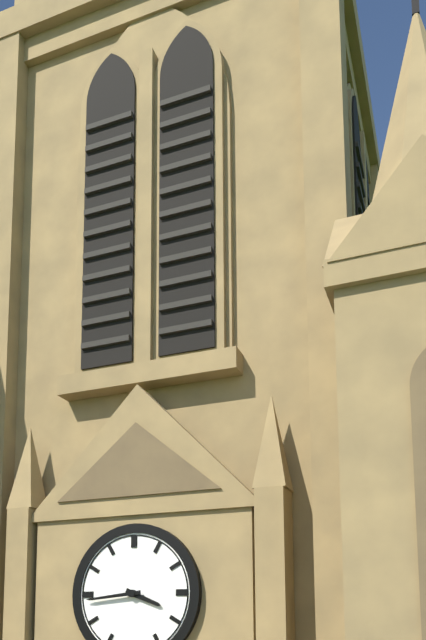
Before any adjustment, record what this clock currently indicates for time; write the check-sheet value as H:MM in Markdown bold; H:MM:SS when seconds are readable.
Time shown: **3:44**
